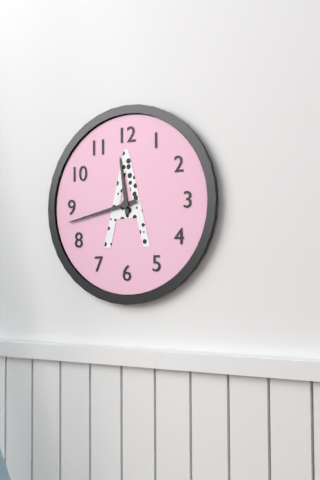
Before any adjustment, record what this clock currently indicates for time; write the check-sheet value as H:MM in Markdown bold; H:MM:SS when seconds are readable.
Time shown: **11:43**
